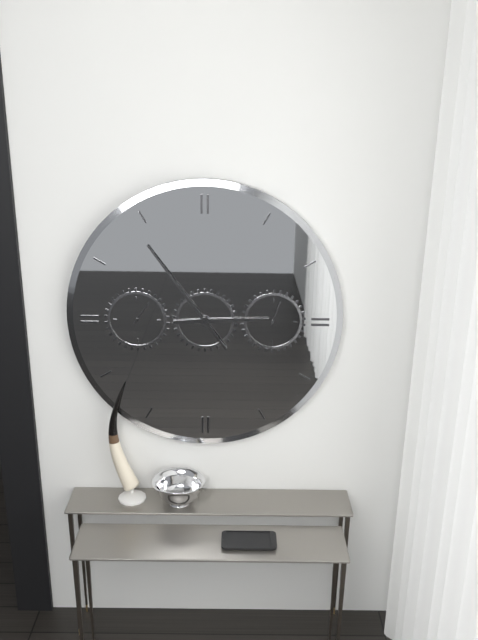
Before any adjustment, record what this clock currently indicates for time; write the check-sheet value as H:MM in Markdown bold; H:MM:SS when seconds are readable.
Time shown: **2:54**
